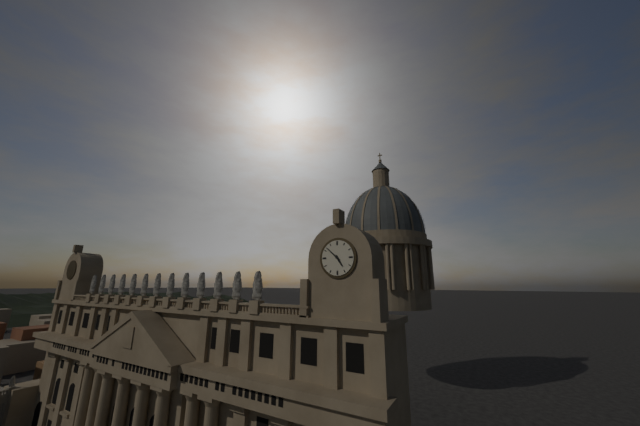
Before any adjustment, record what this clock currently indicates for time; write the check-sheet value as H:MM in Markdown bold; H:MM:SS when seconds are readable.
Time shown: **4:52**
